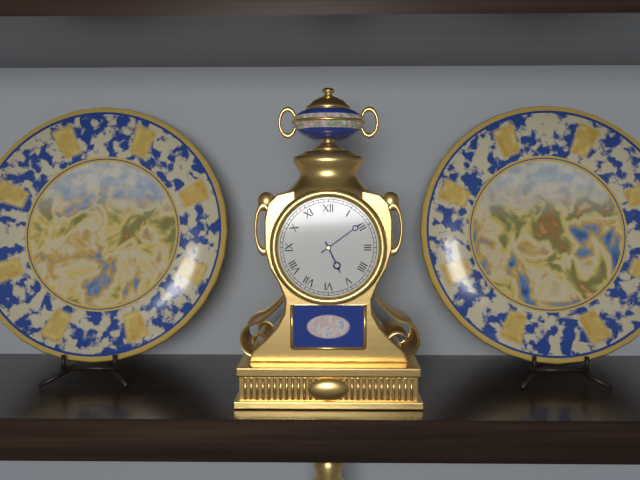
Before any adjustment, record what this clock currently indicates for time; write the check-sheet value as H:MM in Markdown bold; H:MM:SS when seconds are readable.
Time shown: **5:09**
